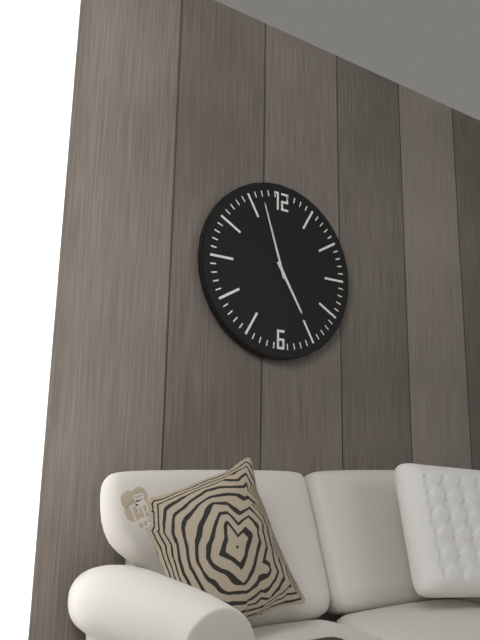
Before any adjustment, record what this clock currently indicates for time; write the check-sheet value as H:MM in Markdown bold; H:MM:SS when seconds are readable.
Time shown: **4:57**
